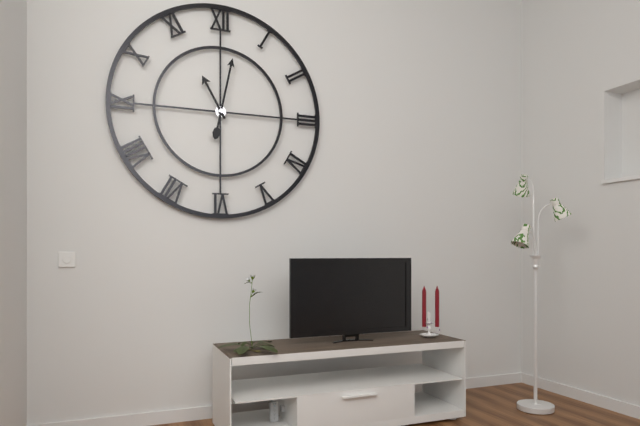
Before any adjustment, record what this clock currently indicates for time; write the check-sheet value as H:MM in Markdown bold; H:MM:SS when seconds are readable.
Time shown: **11:02**
